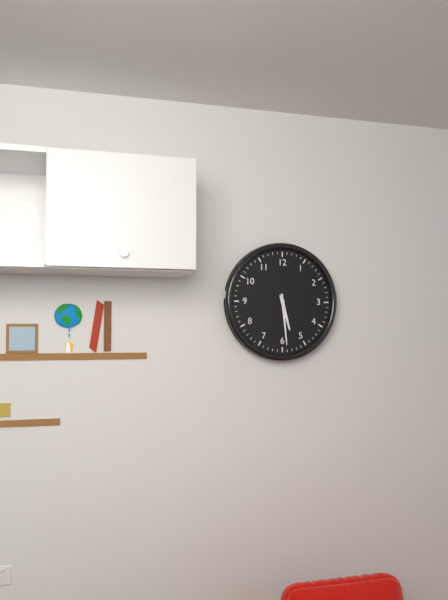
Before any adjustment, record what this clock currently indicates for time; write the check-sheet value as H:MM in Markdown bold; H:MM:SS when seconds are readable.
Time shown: **5:29**
